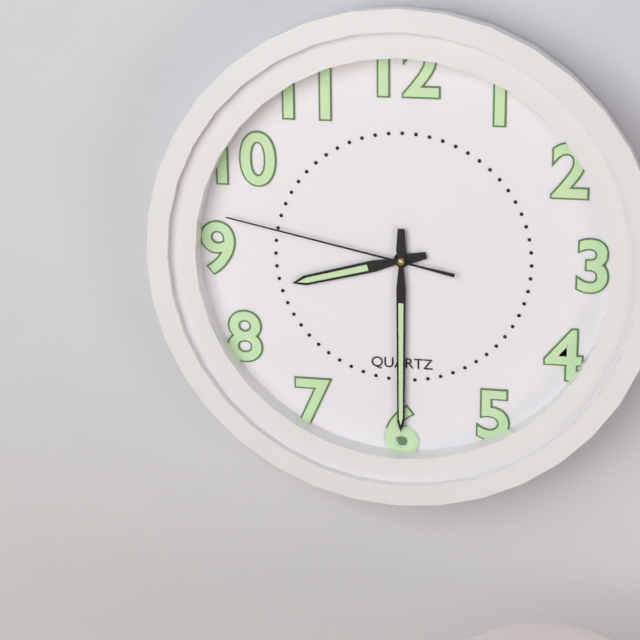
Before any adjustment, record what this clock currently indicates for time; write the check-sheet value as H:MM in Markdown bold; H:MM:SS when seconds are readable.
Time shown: **8:30:47**
